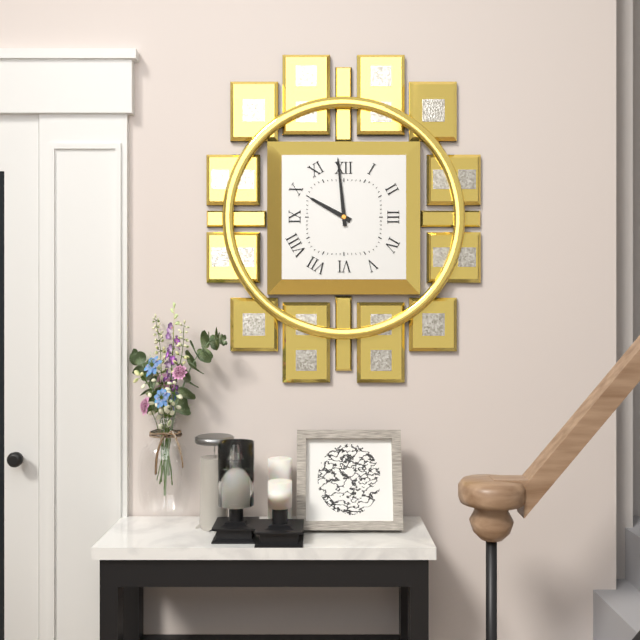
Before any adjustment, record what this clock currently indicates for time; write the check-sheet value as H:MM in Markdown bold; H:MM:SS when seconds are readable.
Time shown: **9:59**
